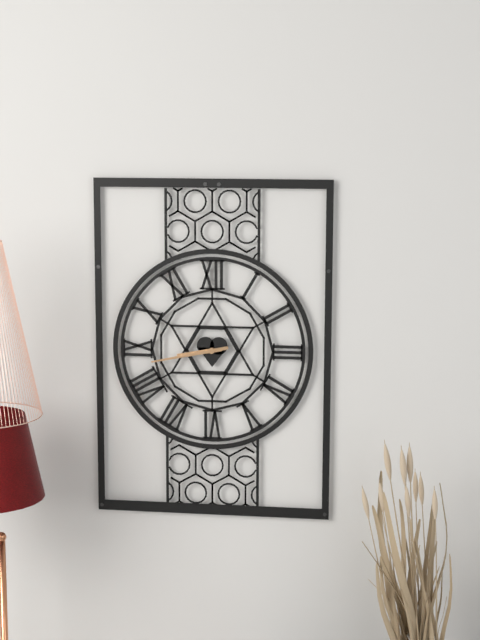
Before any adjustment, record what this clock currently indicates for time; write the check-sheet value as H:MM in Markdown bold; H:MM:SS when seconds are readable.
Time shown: **8:43**
